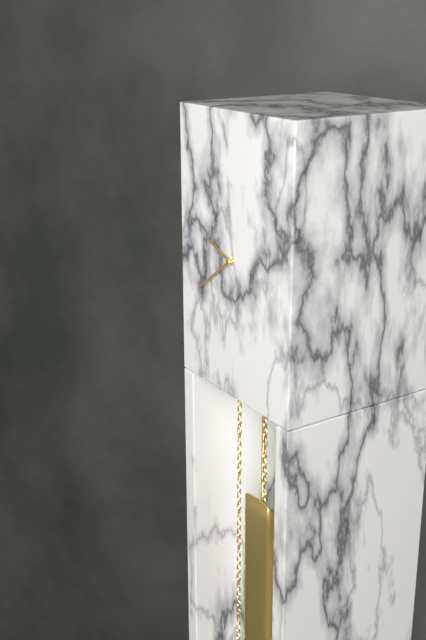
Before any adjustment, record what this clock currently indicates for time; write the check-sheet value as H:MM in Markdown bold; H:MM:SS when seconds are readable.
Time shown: **9:39**
